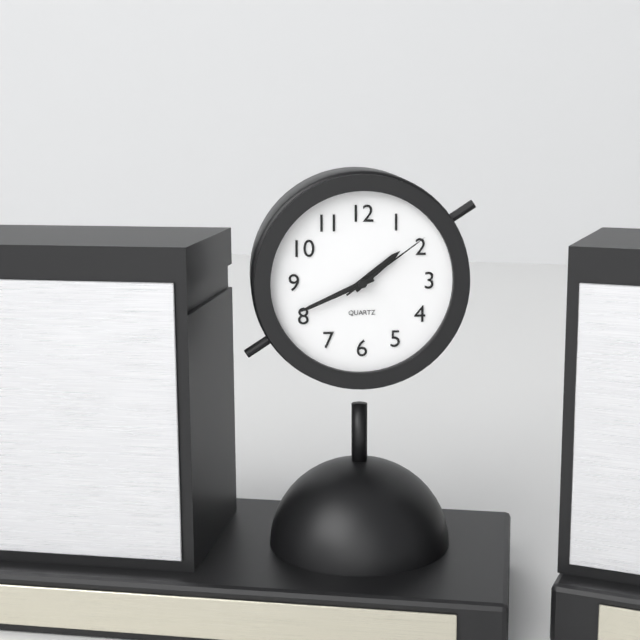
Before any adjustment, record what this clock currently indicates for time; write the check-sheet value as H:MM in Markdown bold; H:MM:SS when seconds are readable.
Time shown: **1:41:09**
